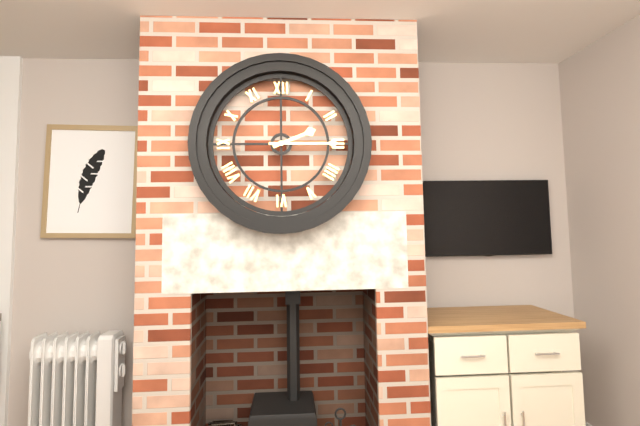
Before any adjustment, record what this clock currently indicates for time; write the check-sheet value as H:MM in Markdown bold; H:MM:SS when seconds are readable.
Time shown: **2:15**
